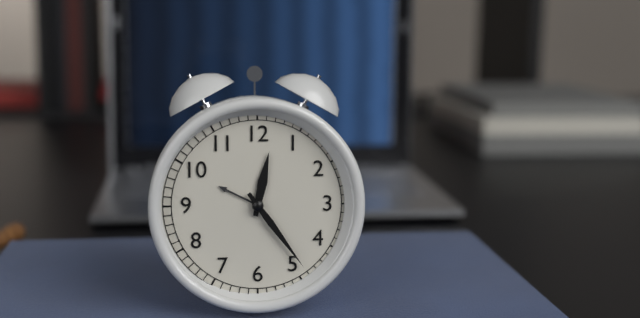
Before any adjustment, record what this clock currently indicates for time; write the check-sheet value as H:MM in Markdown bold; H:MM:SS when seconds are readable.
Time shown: **12:24**
